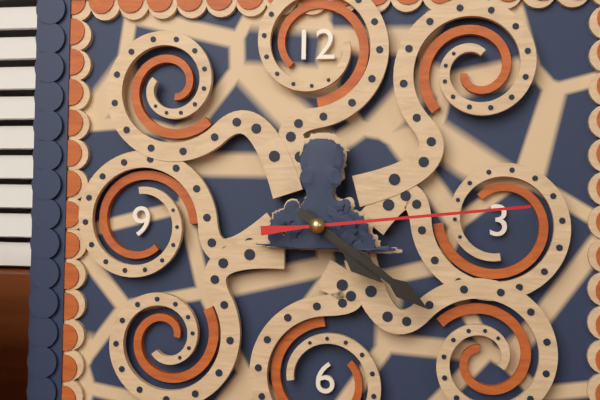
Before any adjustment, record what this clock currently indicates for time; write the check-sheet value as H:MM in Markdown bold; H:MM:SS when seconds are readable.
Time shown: **4:21:14**
